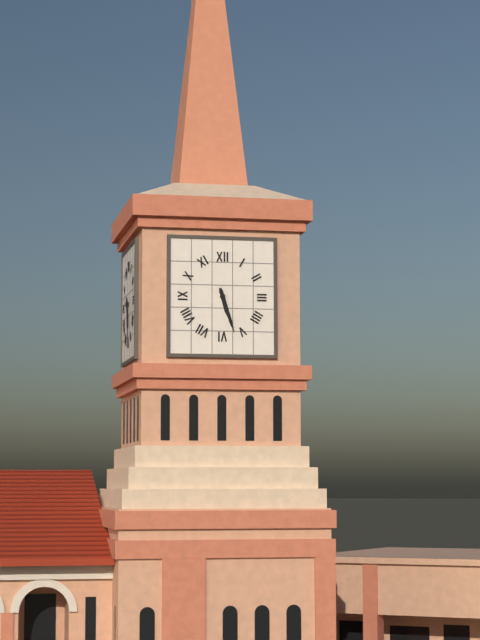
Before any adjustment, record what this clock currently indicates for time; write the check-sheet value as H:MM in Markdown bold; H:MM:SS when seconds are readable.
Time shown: **5:27**
